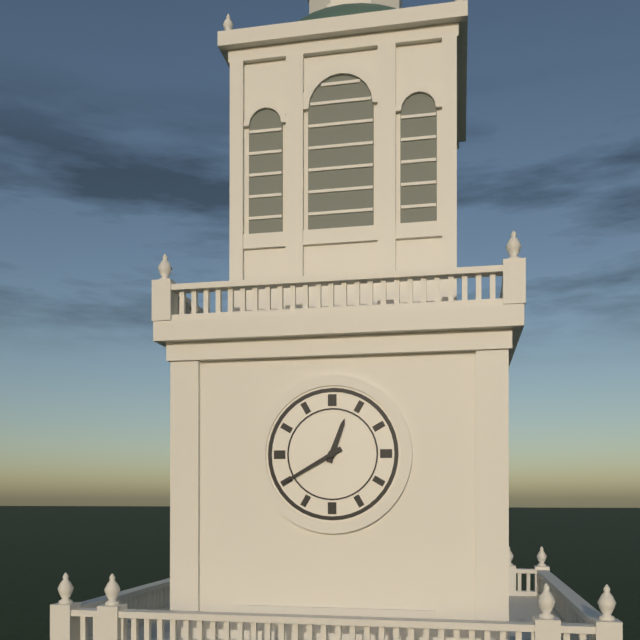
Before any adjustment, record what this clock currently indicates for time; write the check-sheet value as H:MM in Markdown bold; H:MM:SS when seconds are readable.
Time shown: **12:40**
